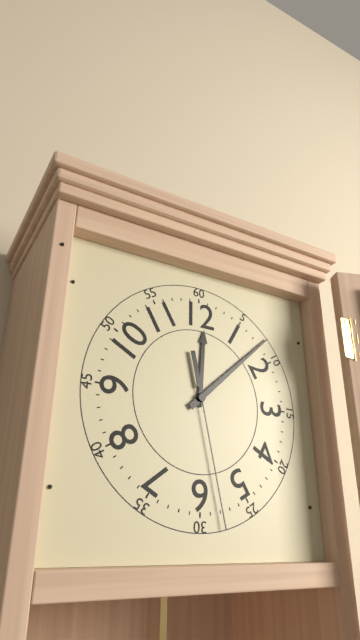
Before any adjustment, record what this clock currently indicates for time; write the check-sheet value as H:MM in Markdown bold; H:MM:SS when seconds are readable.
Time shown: **12:08:28**
